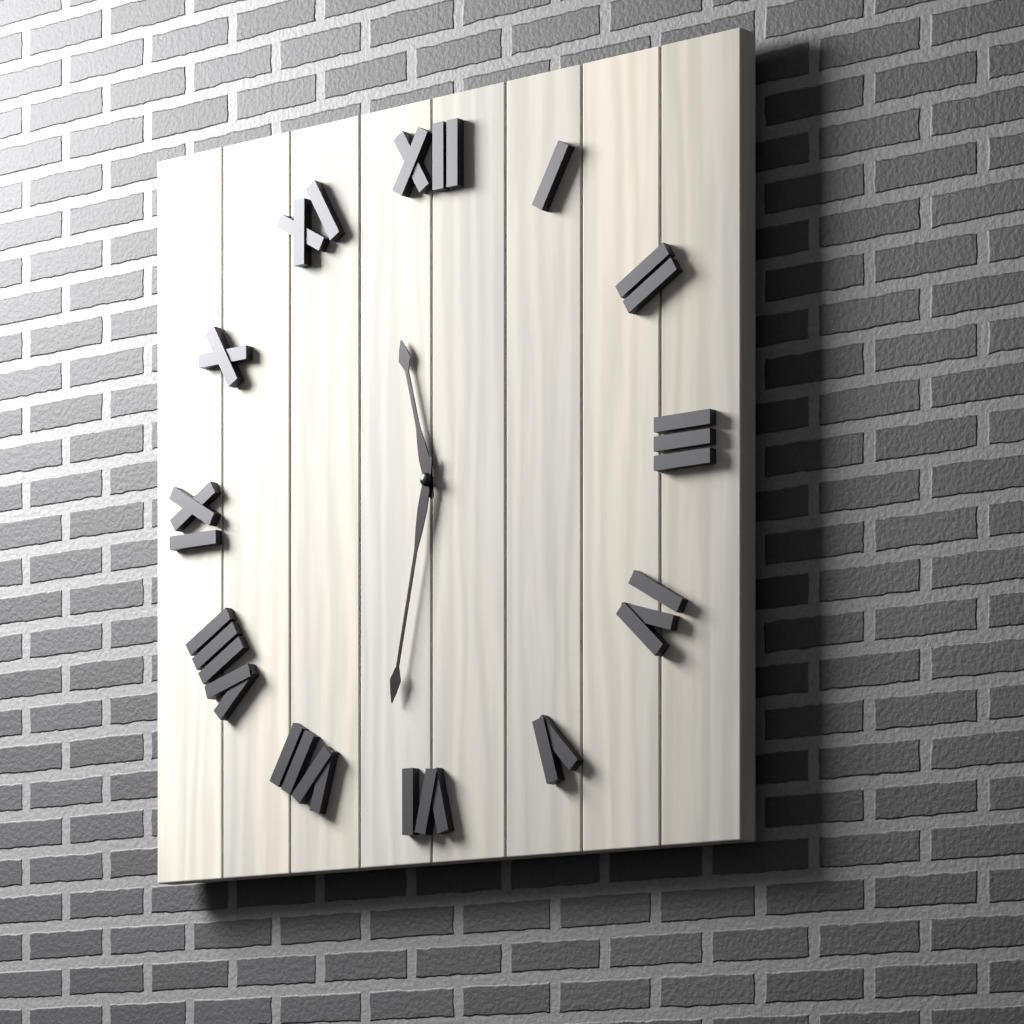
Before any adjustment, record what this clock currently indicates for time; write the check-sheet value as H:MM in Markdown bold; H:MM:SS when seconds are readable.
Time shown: **11:32**
